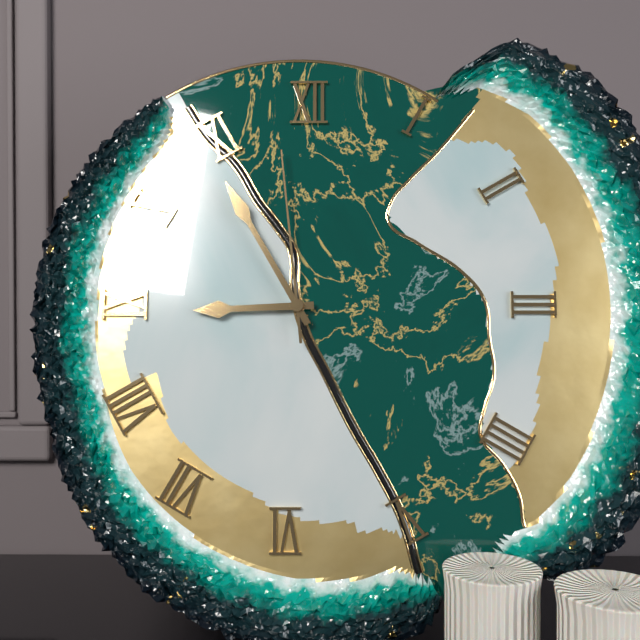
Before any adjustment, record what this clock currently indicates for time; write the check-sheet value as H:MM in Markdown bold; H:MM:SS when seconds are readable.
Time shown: **8:55:59**
